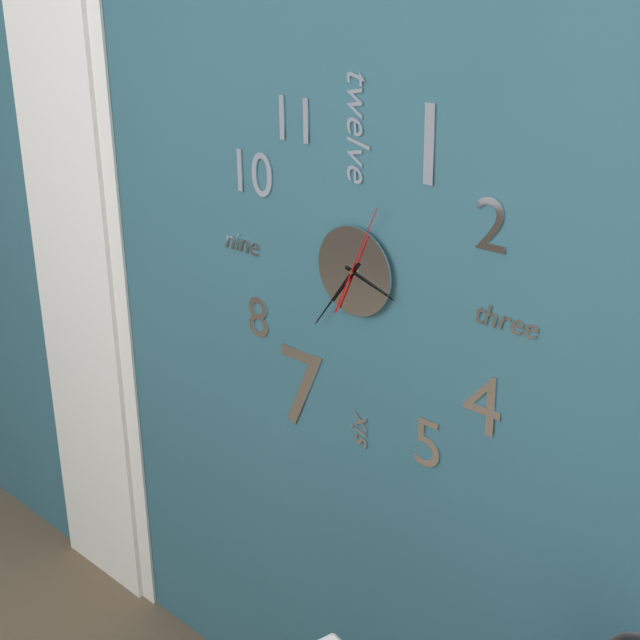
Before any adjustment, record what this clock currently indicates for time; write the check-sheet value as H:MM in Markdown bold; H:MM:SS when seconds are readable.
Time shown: **3:36:04**
